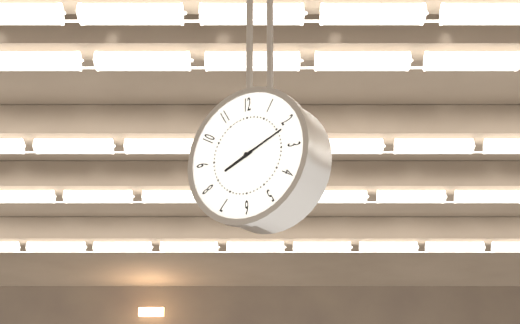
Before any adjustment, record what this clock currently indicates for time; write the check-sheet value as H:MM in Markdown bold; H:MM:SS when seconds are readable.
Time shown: **8:11**
